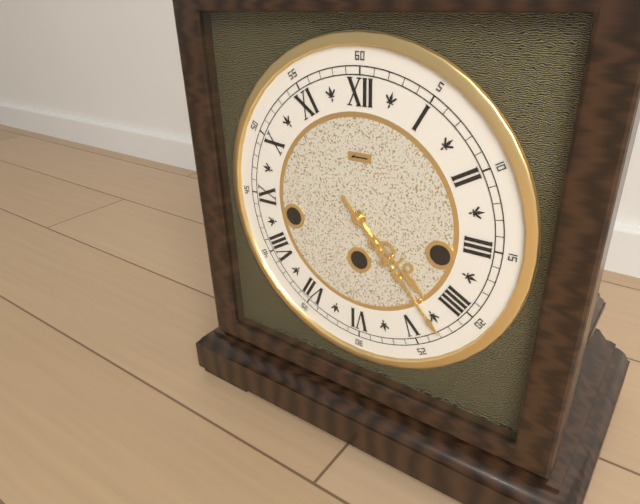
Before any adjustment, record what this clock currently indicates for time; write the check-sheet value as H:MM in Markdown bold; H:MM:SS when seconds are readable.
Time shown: **4:23**
